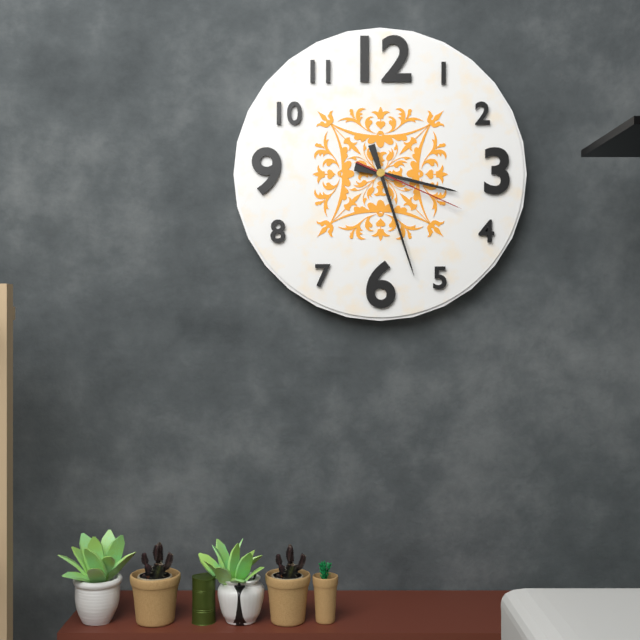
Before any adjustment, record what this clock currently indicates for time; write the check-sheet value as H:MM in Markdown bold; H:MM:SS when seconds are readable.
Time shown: **3:27:19**
